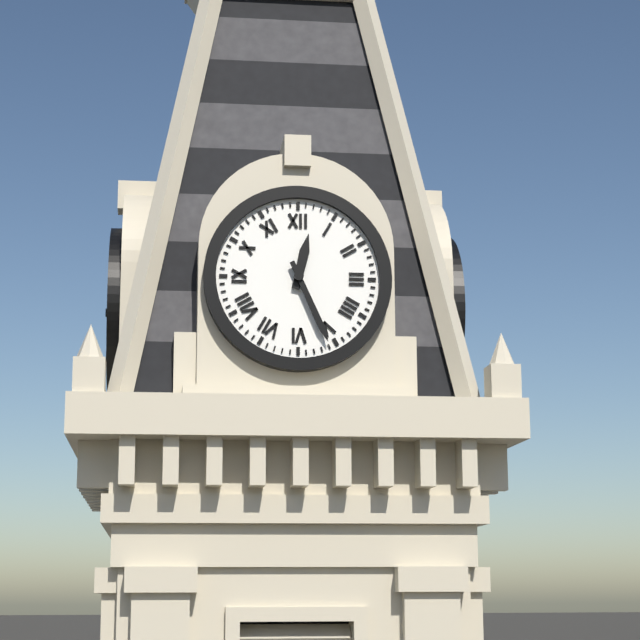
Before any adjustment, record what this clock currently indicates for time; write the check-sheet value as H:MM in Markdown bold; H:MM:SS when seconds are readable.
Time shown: **12:26**
